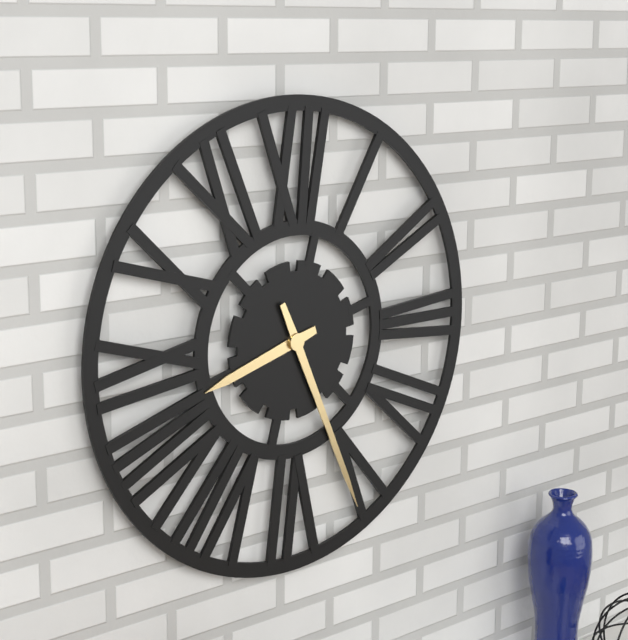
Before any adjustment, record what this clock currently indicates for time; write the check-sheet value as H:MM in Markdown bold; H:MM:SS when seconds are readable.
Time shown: **8:26**
